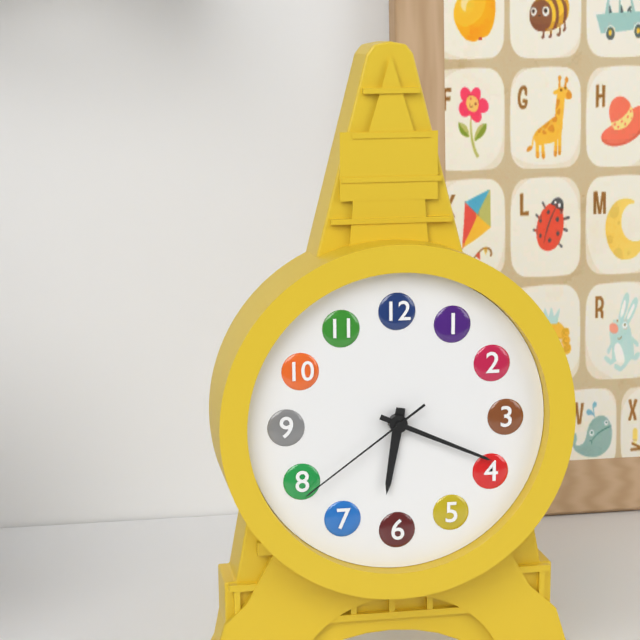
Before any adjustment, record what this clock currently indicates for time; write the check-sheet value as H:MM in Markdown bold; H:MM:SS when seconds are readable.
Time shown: **6:19:39**
